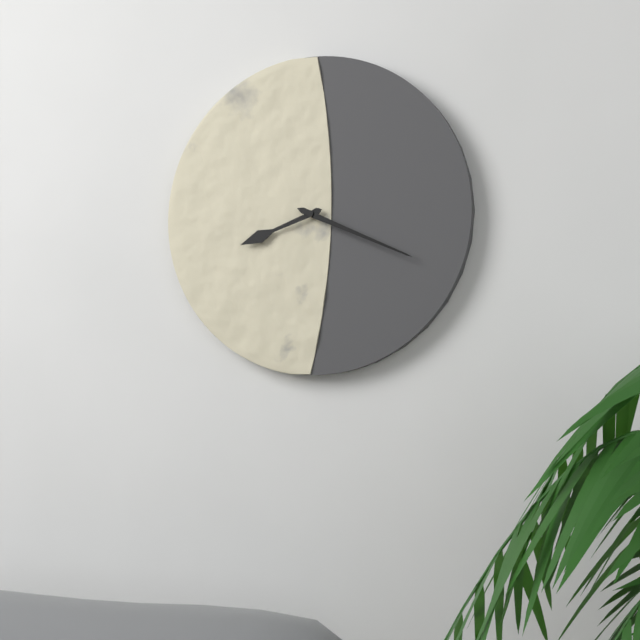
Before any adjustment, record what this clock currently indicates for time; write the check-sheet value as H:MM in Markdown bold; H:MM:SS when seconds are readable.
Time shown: **8:19**
